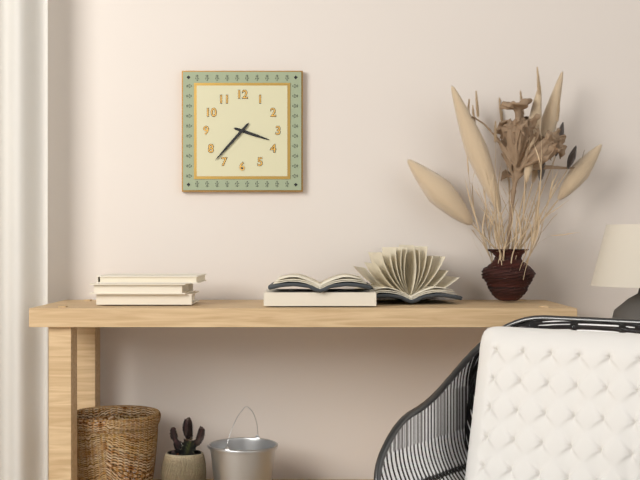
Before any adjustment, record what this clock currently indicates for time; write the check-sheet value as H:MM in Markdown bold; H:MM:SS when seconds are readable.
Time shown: **3:37**
